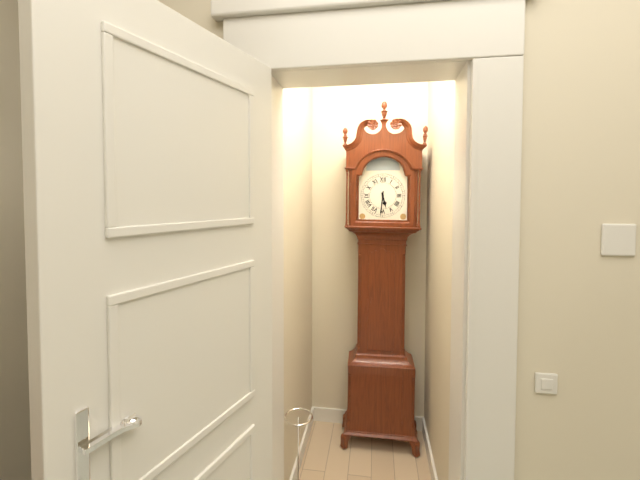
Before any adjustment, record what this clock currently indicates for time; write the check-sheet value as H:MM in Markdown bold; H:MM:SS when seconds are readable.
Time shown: **5:31**
